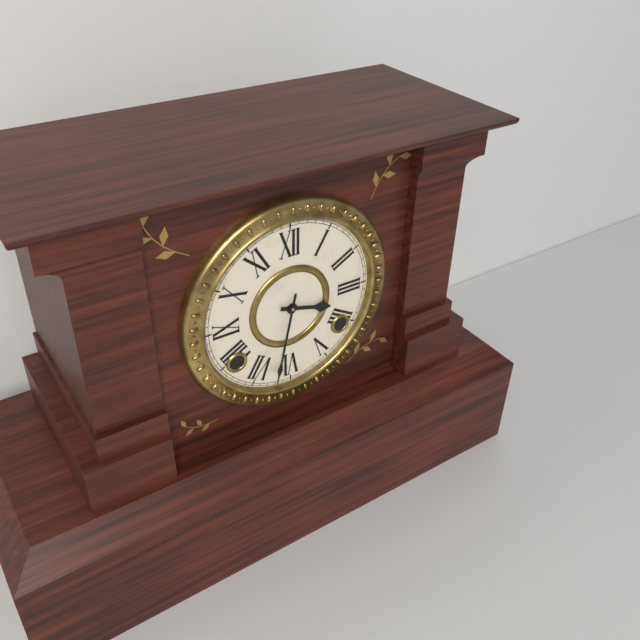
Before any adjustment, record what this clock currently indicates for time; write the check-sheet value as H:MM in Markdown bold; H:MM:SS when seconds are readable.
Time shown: **3:32**
